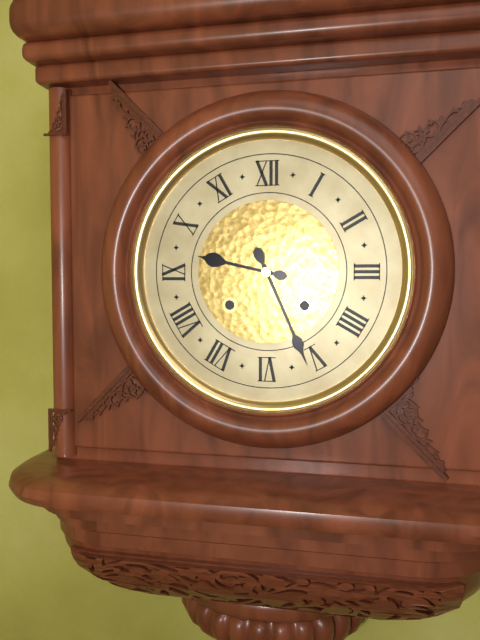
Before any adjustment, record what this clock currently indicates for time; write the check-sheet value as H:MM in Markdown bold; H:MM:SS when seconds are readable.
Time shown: **9:26**
